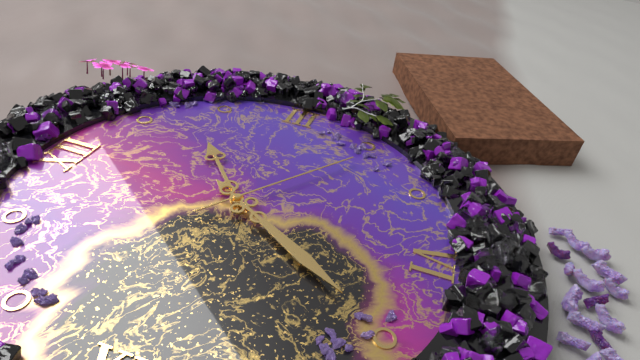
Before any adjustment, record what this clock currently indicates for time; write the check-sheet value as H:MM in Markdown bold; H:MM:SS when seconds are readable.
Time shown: **1:35:21**
